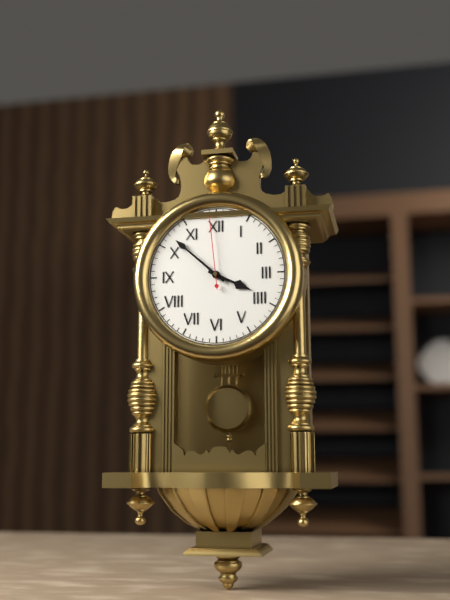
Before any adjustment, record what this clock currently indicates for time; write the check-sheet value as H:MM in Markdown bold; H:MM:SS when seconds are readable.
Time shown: **3:52:59**
